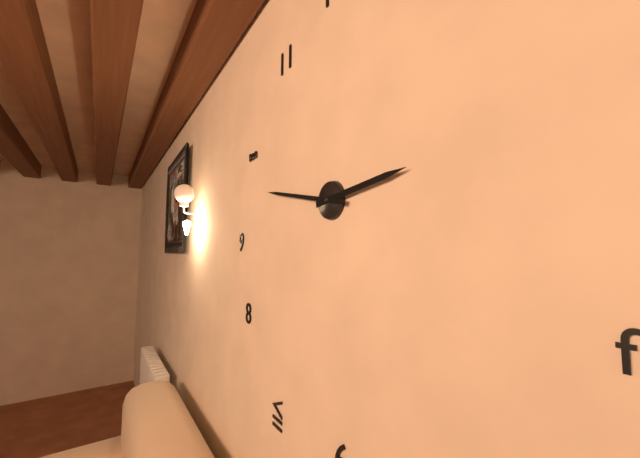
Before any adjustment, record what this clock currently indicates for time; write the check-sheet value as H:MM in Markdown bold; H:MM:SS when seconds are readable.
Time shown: **2:47**
